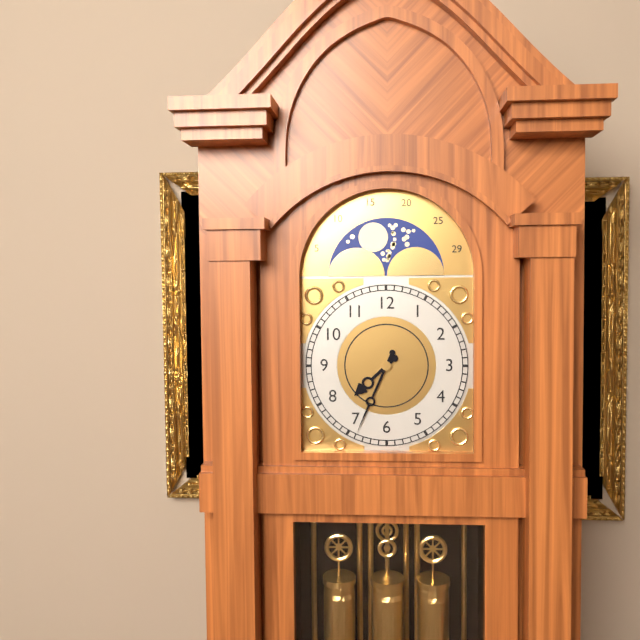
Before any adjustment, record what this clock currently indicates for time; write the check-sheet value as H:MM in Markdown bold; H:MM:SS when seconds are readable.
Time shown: **7:34**
